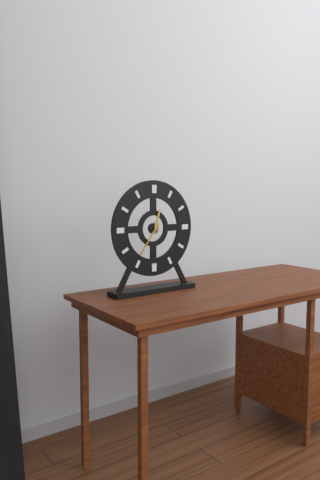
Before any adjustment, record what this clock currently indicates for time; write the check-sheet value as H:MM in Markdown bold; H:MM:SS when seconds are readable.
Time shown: **12:36**
